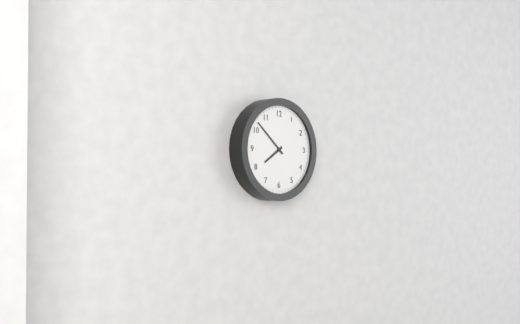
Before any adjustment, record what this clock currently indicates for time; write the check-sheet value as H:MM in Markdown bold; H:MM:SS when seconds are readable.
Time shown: **7:52**
